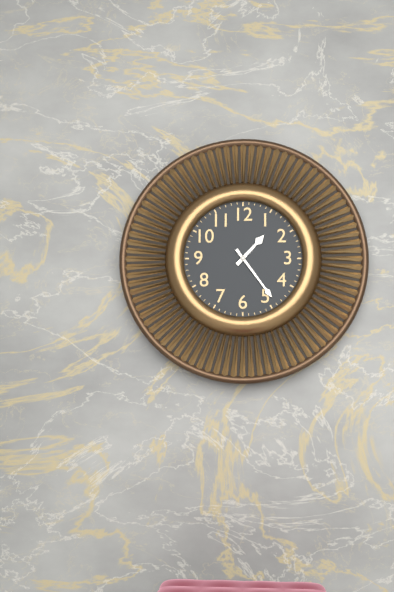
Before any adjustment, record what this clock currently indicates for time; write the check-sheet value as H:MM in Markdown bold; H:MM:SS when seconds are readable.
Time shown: **1:24**
